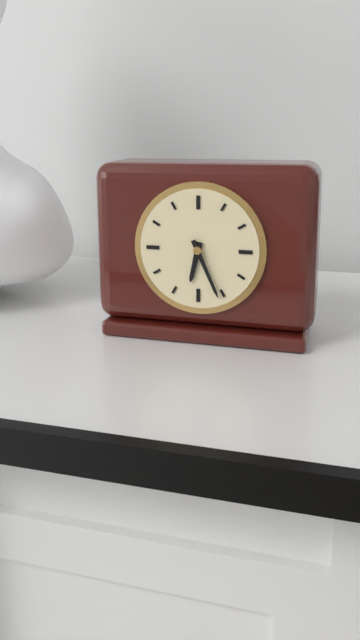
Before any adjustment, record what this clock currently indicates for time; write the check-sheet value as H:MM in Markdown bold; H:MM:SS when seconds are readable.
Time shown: **6:26**
